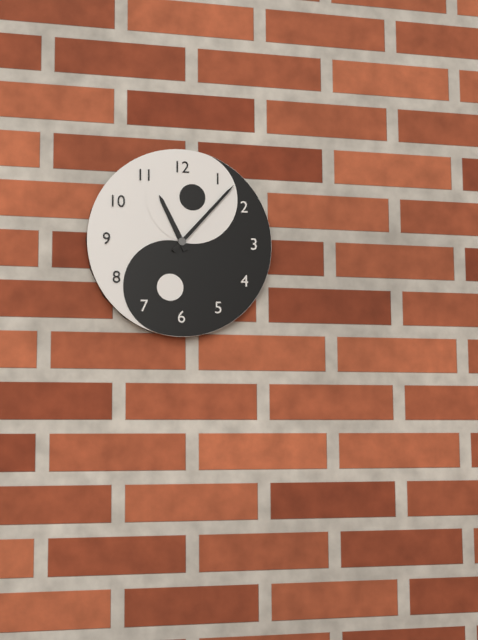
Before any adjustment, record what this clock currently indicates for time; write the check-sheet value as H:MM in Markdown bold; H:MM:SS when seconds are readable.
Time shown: **11:07**
